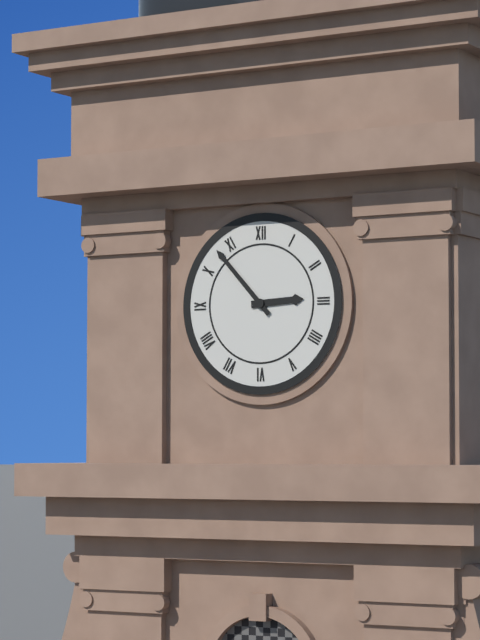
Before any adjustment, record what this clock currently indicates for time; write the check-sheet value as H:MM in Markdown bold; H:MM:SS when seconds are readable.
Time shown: **2:53**
